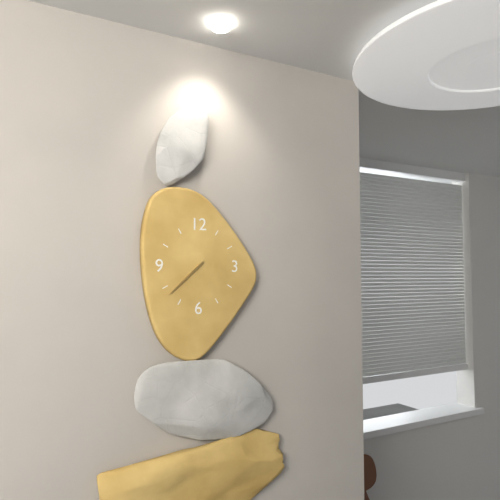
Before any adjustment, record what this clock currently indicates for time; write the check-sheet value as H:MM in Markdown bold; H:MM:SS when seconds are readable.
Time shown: **7:38**
